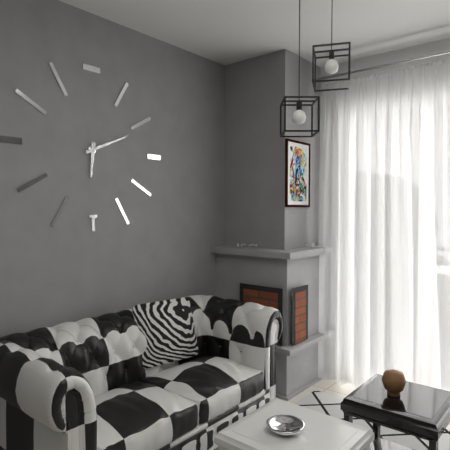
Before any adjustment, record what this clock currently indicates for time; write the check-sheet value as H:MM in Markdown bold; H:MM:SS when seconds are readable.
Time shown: **6:11**
